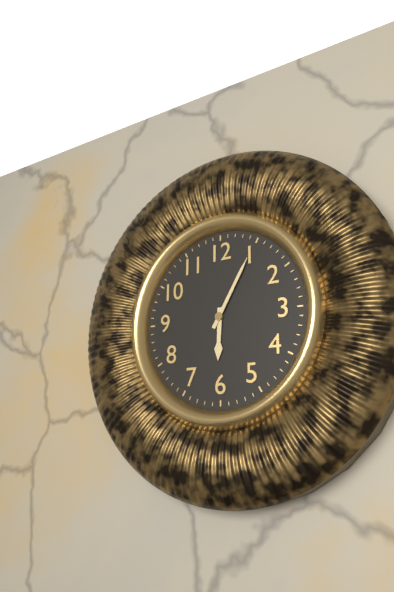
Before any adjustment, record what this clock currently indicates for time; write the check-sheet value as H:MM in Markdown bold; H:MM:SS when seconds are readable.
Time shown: **6:05**
